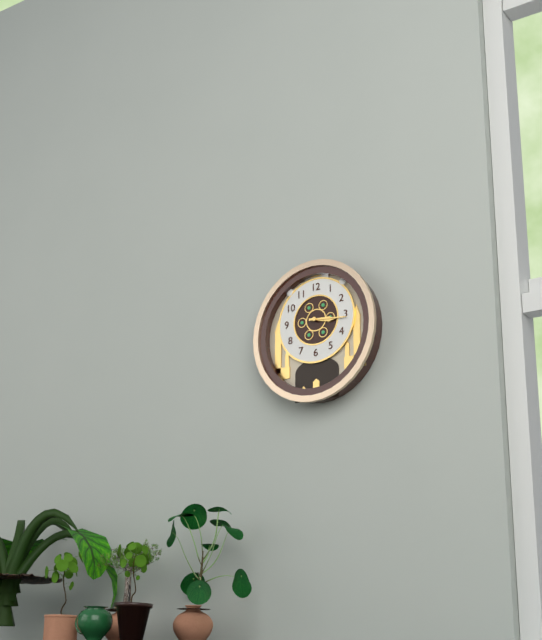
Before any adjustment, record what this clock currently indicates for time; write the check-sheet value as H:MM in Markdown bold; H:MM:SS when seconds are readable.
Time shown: **3:16**
